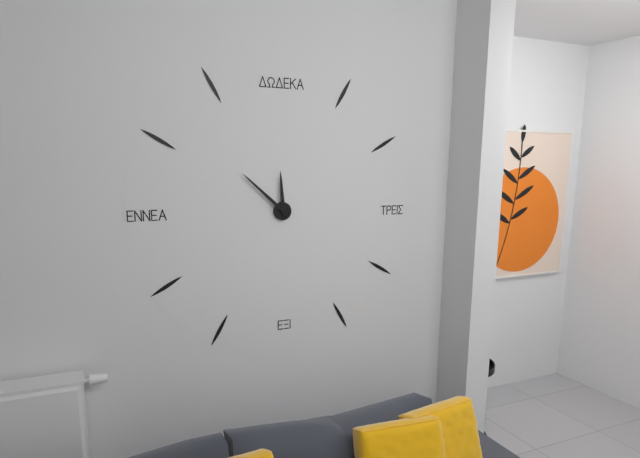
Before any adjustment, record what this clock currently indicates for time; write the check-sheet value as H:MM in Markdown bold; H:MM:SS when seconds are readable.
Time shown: **11:52**
